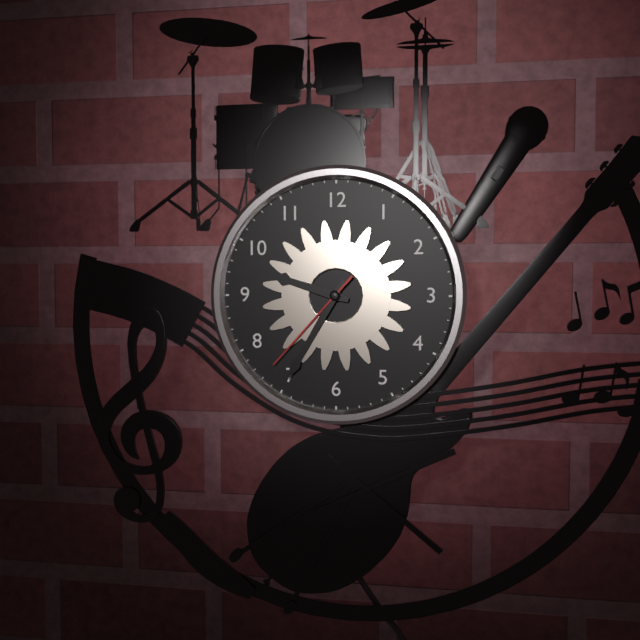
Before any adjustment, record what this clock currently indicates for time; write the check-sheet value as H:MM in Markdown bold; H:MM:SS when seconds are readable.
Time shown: **9:35:37**
